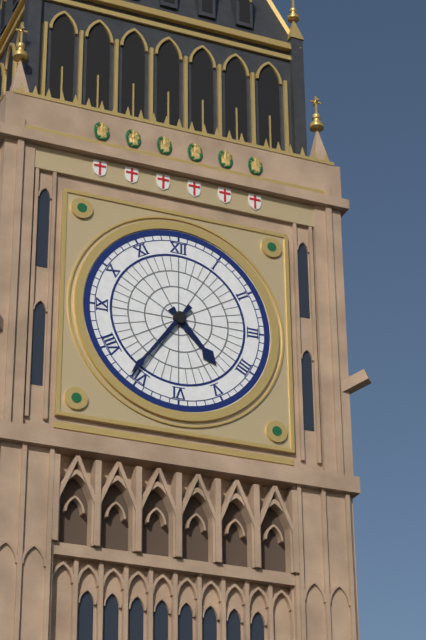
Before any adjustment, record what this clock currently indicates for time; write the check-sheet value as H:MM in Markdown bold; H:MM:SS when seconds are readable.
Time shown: **4:36**
